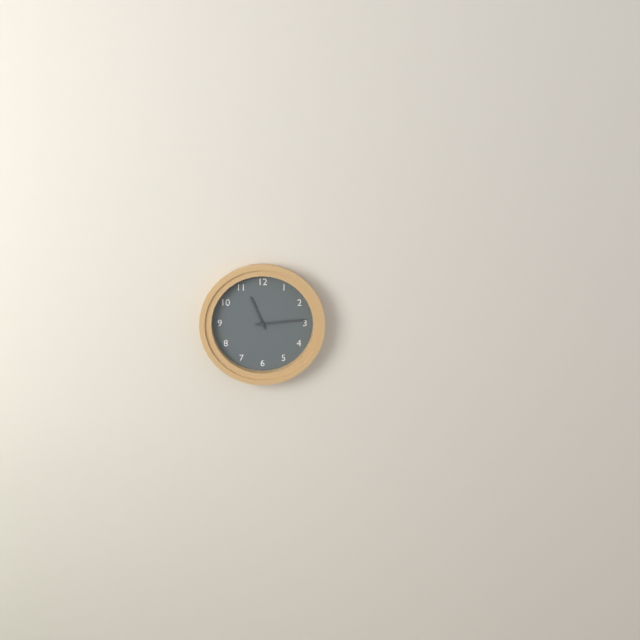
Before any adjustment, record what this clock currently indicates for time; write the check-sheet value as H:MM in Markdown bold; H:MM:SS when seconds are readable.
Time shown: **11:14**
